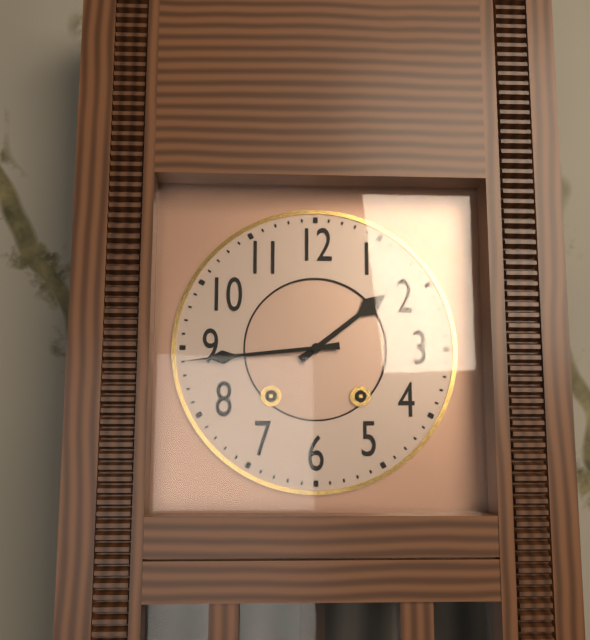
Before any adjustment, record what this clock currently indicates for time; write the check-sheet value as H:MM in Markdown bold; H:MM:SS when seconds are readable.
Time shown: **1:44**
